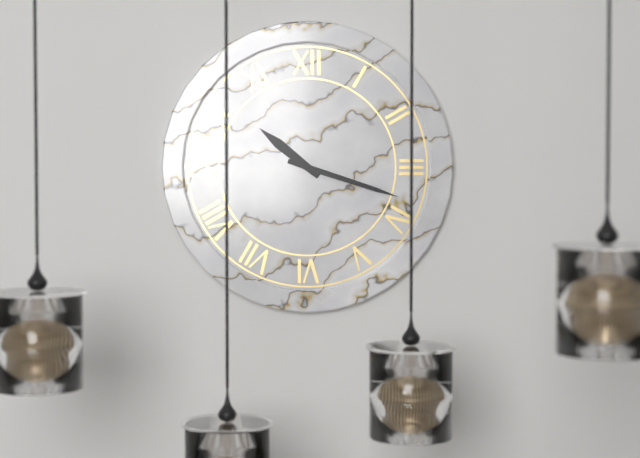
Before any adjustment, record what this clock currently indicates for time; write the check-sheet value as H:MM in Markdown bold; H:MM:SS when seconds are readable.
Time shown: **10:18**
